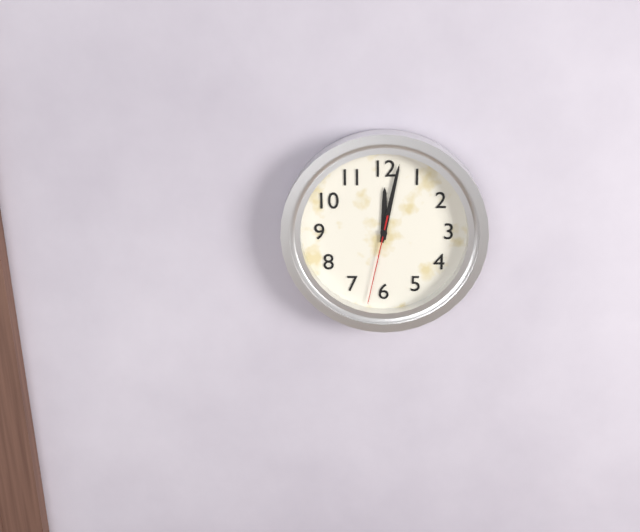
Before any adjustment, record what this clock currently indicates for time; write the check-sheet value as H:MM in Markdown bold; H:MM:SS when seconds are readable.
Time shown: **12:02:32**
